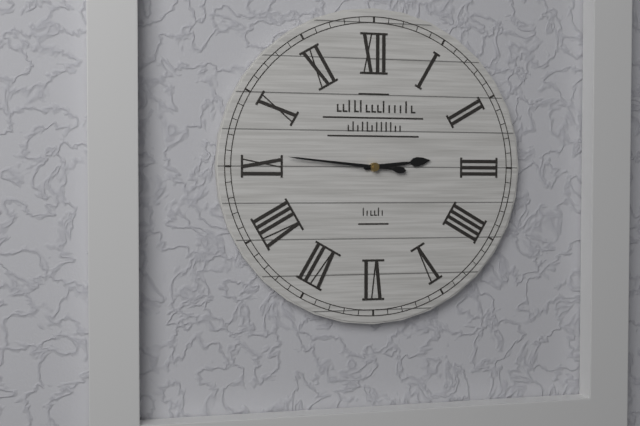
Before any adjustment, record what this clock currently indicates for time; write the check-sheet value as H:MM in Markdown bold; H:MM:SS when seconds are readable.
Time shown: **2:46**
